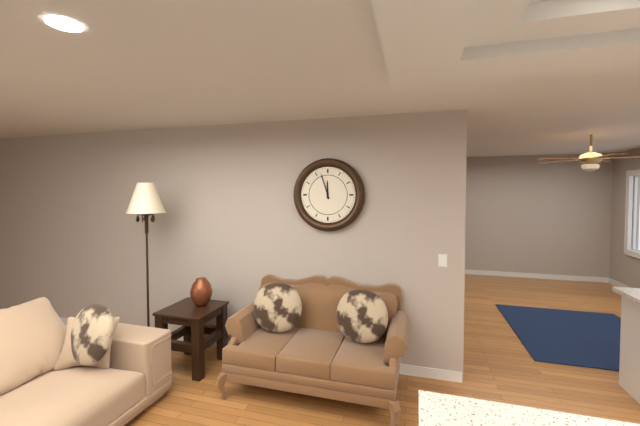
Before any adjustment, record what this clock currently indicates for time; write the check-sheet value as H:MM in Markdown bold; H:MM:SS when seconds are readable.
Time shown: **11:57**
